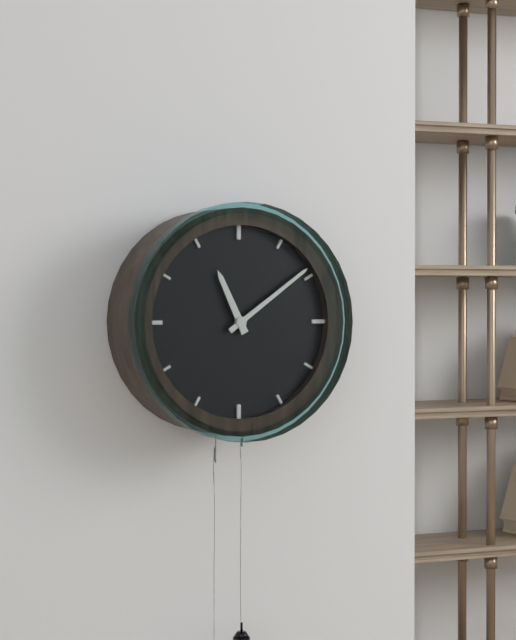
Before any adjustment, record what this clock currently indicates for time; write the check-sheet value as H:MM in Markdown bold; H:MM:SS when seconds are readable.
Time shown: **11:09**
